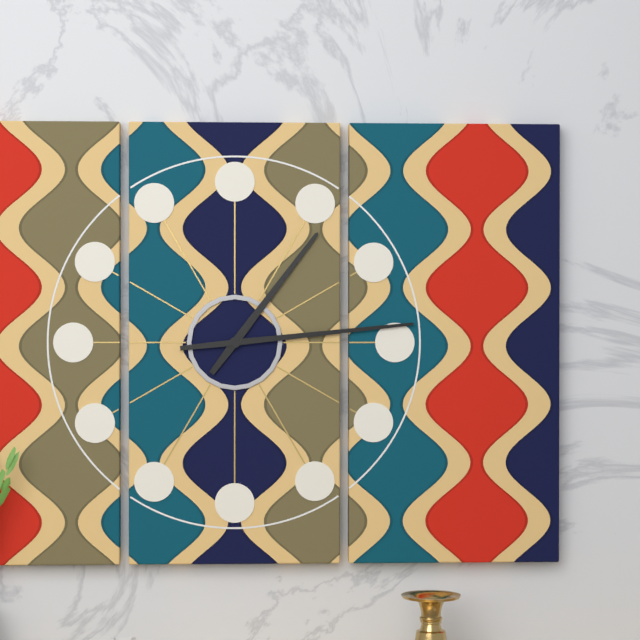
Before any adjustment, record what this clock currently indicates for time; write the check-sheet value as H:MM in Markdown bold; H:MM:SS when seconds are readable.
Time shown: **1:14**
